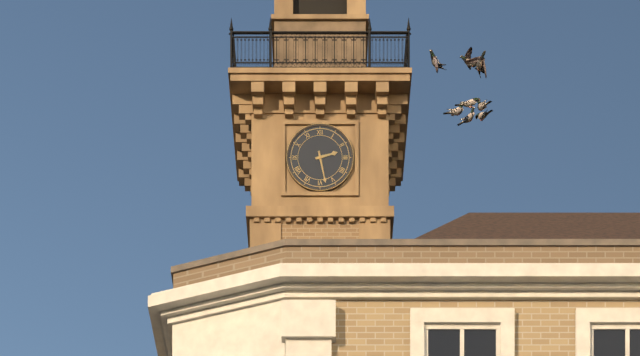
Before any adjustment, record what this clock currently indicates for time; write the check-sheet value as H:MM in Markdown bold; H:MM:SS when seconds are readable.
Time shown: **2:28**
